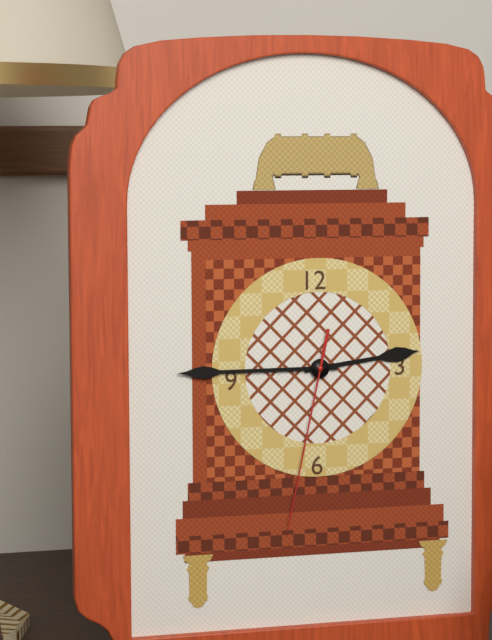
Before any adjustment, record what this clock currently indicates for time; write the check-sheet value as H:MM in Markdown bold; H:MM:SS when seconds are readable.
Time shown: **2:45:32**
